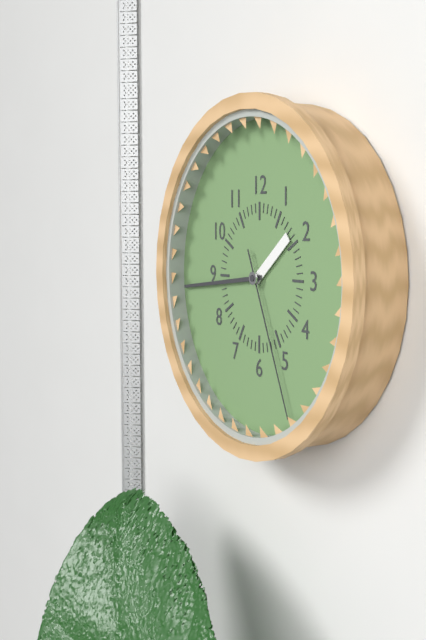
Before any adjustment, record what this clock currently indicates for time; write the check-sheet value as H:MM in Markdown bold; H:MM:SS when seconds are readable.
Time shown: **1:44:26**
